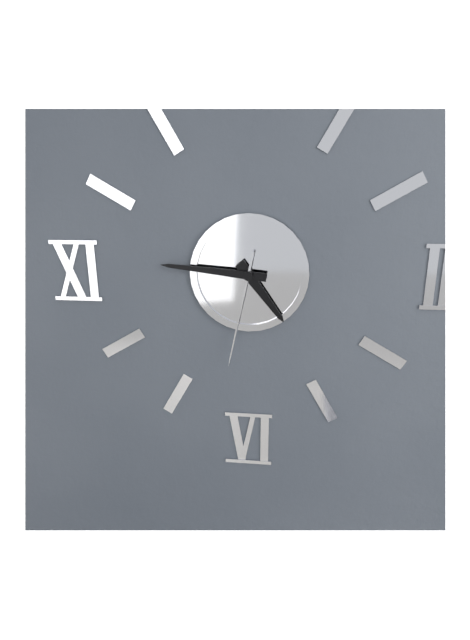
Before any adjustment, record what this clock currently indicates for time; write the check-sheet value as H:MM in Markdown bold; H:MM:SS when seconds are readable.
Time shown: **4:46:32**
